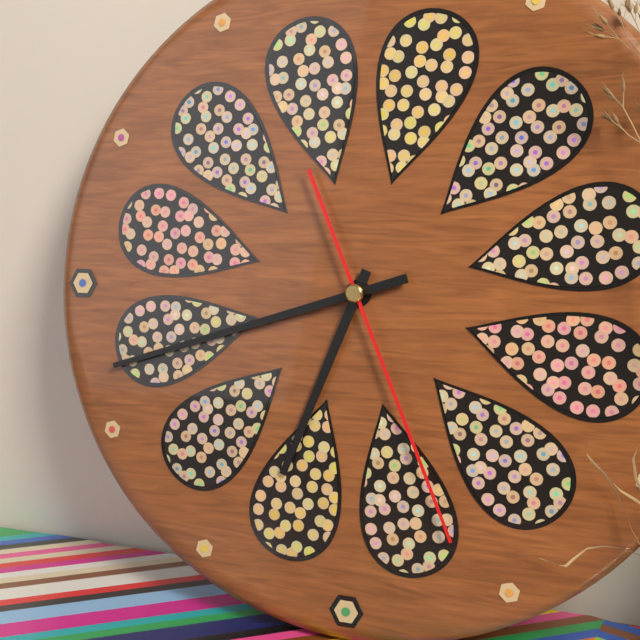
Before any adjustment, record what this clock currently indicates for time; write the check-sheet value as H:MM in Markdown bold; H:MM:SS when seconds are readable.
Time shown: **6:42:26**
